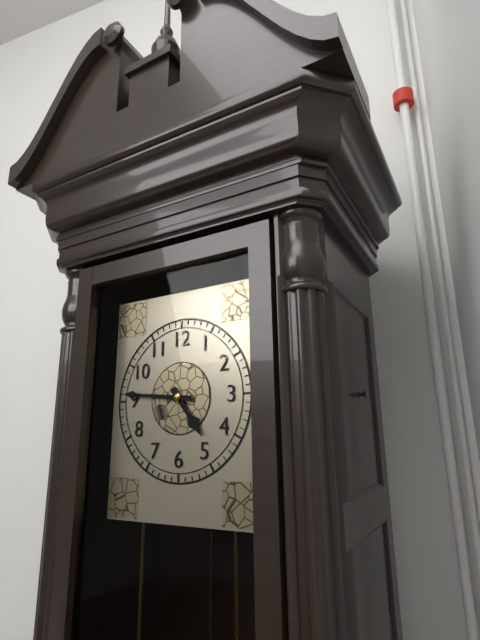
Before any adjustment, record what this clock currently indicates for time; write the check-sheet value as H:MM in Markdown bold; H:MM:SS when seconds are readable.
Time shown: **4:46**
